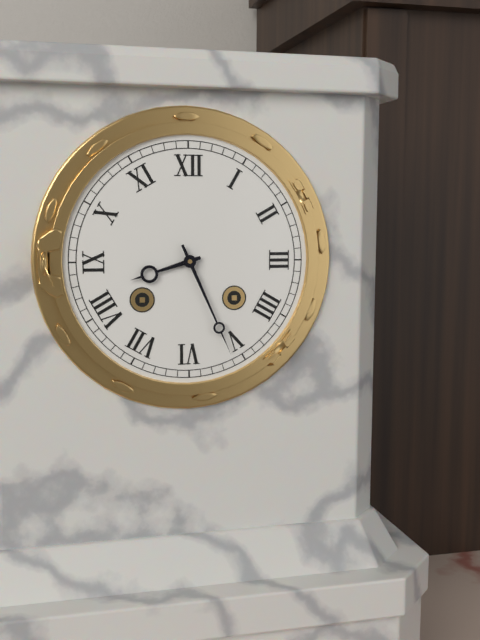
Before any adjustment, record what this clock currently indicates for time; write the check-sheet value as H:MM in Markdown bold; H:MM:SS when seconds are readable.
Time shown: **8:26**
